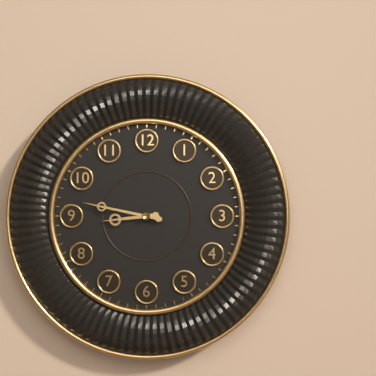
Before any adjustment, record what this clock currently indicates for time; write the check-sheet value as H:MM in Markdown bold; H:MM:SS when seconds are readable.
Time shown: **8:47**
